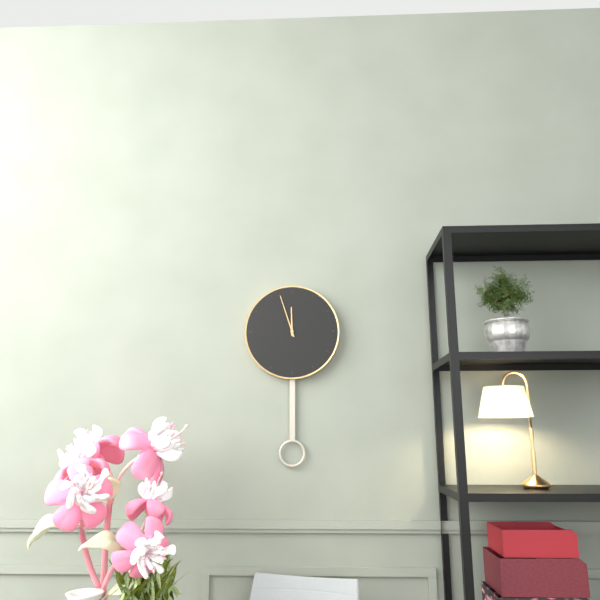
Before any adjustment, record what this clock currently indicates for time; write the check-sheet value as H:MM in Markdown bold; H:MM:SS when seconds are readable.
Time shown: **11:57**
